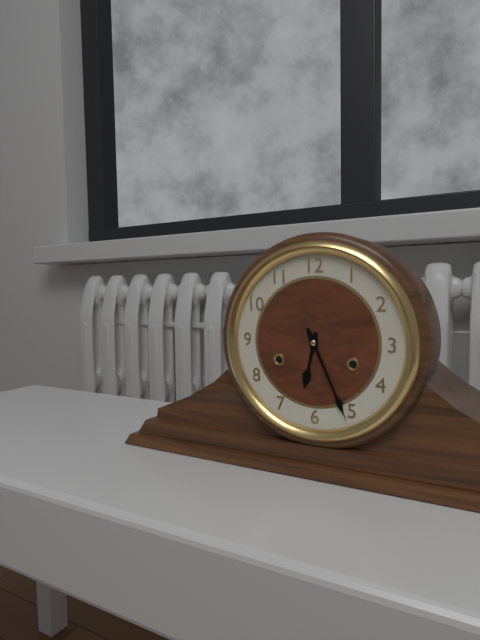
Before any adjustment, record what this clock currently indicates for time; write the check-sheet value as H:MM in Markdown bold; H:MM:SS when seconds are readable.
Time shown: **6:26**
